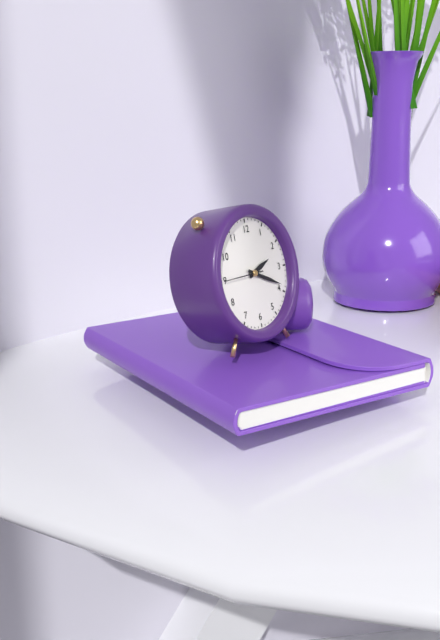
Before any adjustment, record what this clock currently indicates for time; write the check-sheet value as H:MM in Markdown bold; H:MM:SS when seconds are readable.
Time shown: **2:19**
